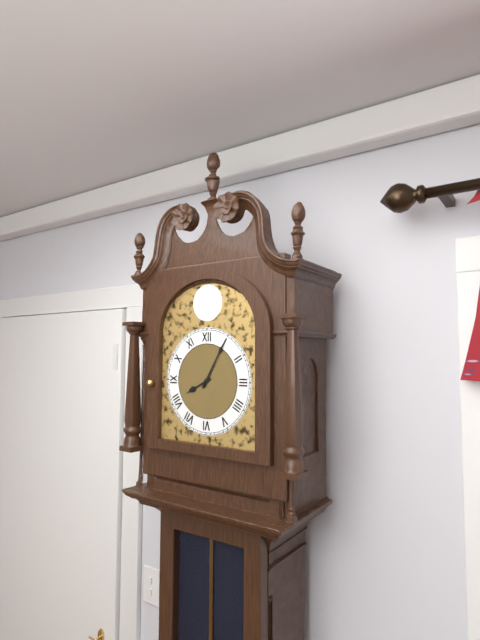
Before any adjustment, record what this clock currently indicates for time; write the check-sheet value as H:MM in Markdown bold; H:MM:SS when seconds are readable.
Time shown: **8:05**
